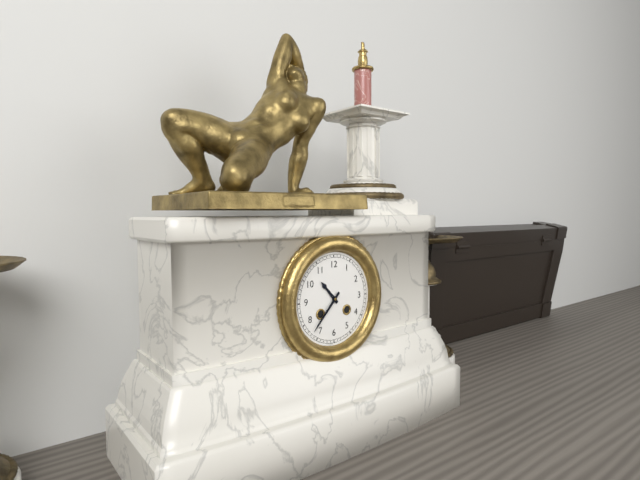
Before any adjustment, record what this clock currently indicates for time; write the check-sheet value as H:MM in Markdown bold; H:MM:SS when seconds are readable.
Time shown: **10:37**
